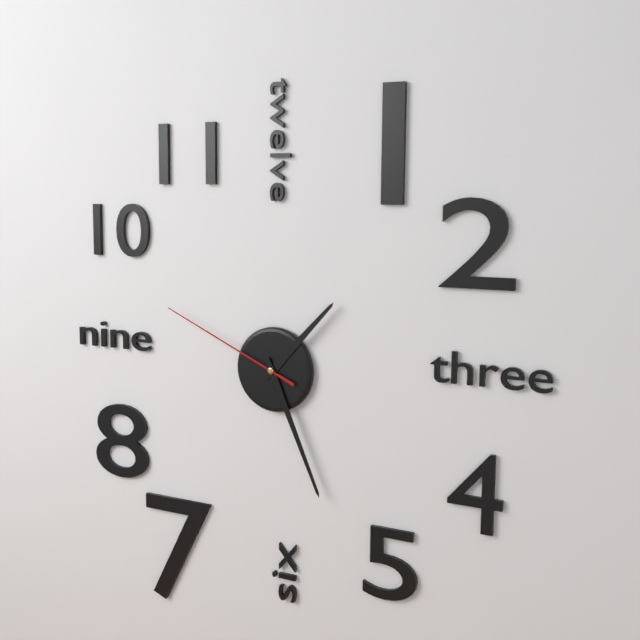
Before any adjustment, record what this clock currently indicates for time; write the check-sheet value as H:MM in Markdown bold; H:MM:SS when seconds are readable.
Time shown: **1:26:49**
